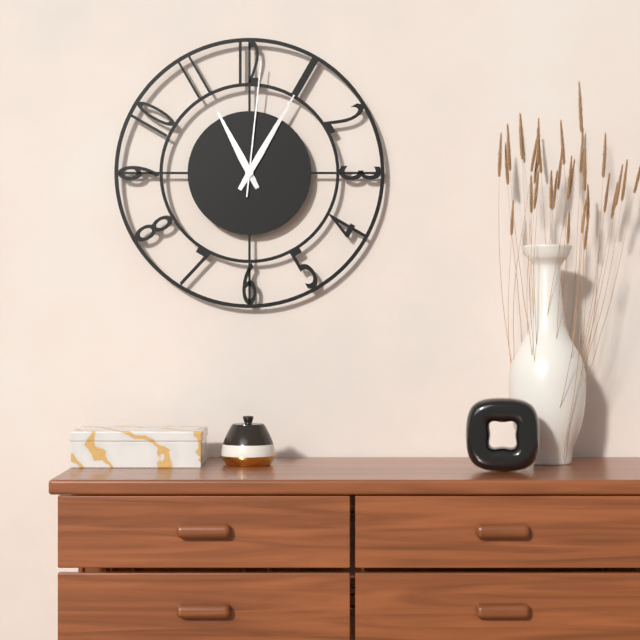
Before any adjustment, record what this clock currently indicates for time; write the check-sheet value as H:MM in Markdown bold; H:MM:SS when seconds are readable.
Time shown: **11:05:01**
